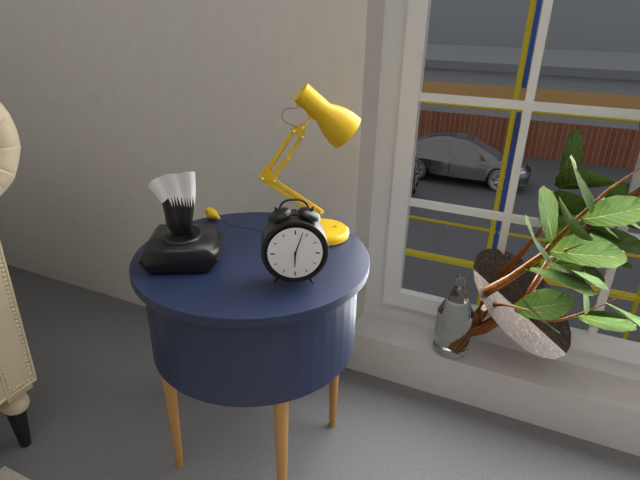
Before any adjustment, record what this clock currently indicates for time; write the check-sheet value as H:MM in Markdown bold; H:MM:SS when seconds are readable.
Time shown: **6:03**
